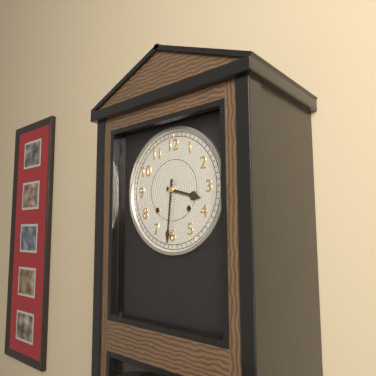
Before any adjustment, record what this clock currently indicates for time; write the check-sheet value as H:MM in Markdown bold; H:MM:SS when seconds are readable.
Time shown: **3:31**
